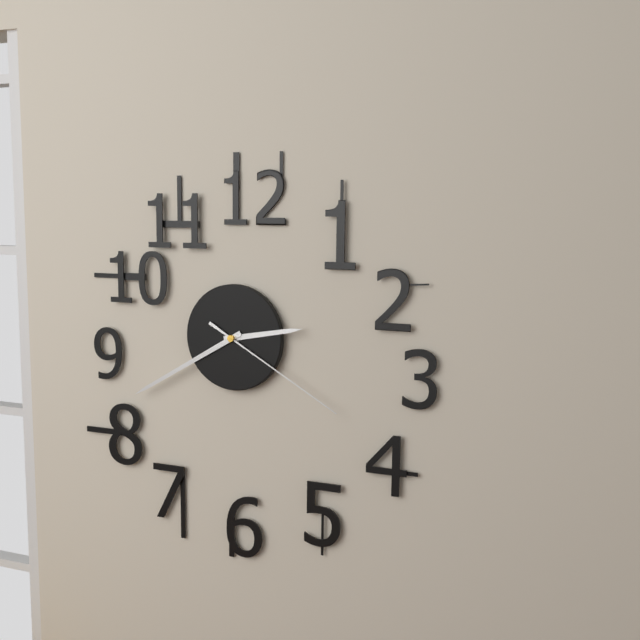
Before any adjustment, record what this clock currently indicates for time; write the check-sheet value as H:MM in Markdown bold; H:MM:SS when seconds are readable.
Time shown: **2:40:20**
